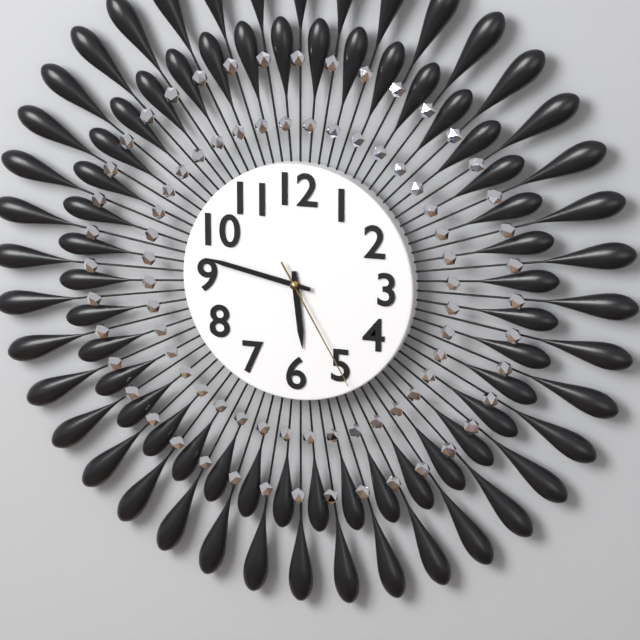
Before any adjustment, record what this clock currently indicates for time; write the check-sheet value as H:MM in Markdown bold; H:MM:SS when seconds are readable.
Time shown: **5:47:25**
